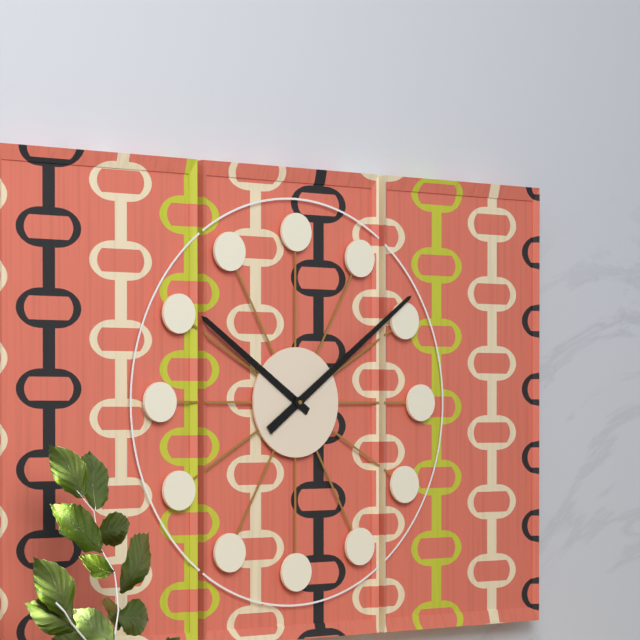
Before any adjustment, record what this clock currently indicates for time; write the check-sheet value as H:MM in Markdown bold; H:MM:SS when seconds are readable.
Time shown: **10:09**
